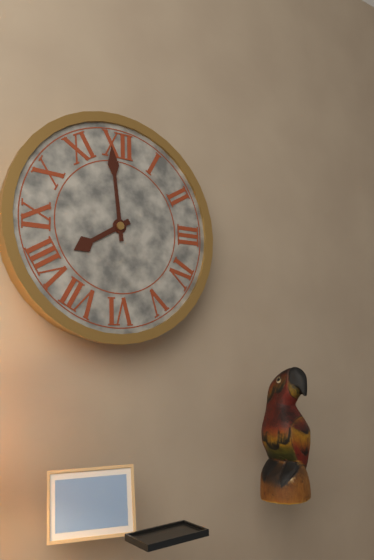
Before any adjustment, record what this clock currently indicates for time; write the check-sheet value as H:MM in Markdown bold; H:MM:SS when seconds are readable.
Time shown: **7:59**
